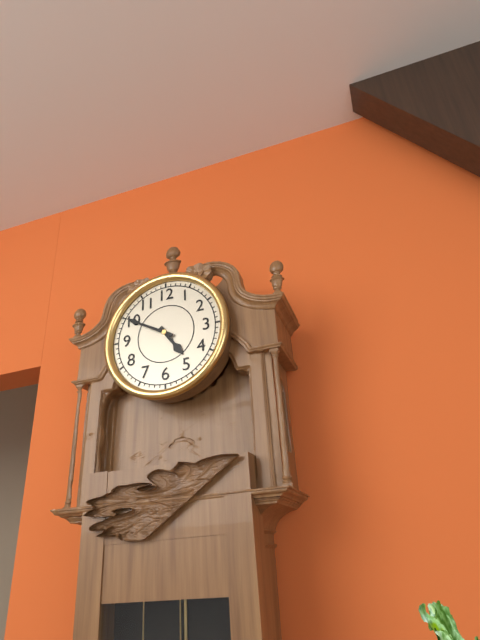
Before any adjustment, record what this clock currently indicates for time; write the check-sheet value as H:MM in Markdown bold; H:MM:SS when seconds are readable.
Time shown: **4:50**
